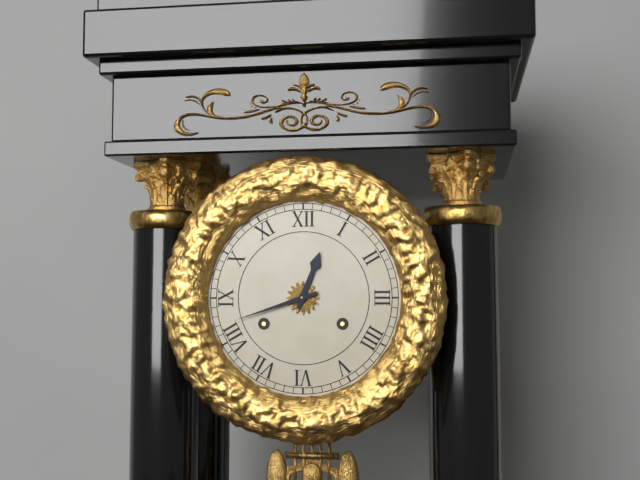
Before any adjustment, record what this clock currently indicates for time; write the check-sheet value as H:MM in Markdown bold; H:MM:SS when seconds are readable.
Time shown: **12:42**
